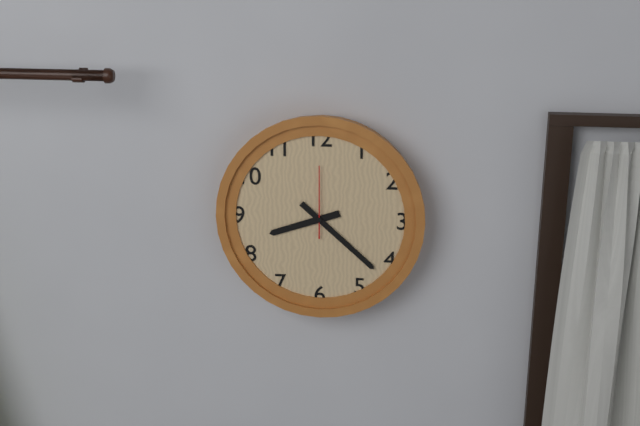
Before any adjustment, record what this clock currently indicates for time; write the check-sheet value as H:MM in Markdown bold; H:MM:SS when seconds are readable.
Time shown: **8:22:00**
